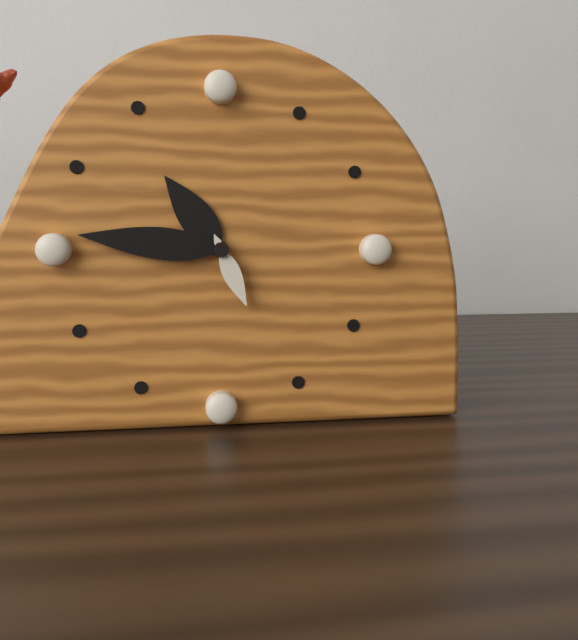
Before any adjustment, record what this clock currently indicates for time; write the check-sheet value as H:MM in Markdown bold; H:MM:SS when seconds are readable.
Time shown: **10:46:26**
